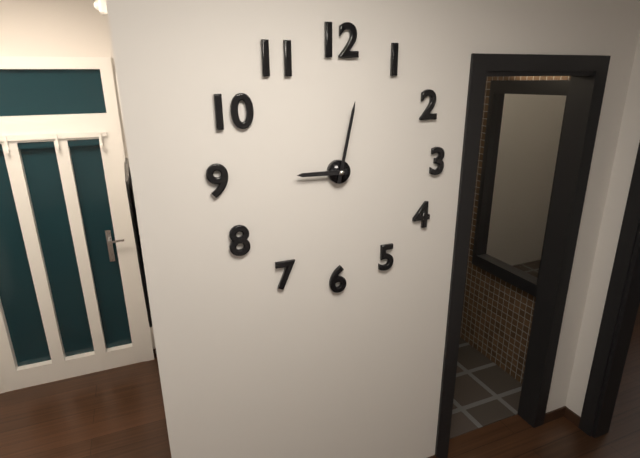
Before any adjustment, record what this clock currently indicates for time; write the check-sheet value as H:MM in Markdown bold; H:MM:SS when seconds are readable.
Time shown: **9:02**
